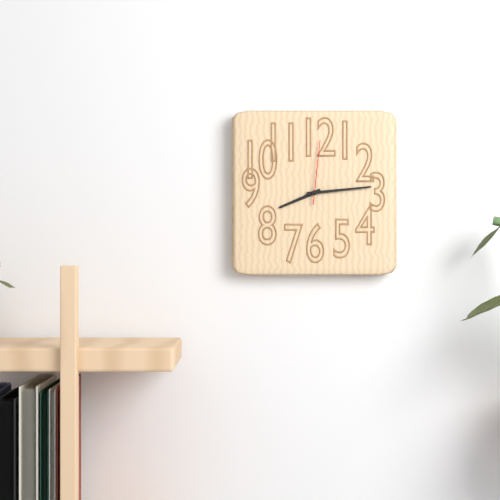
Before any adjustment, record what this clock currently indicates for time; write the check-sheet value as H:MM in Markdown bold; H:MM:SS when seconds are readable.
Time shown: **8:14:01**
